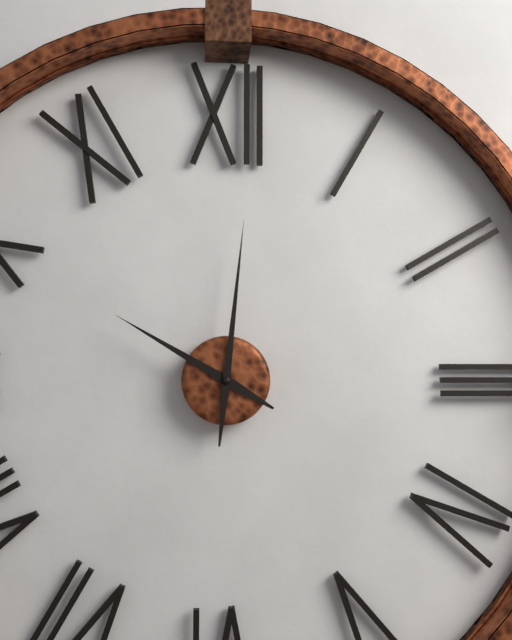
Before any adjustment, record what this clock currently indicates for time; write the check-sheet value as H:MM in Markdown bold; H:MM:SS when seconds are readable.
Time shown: **10:01**
